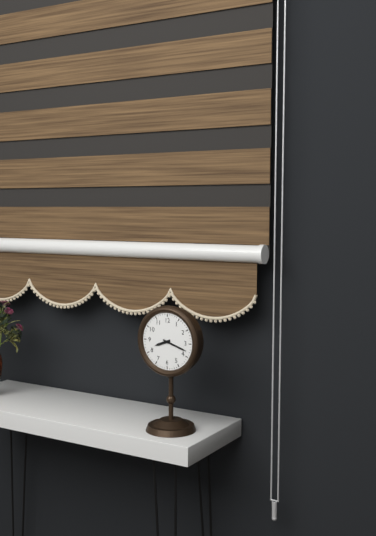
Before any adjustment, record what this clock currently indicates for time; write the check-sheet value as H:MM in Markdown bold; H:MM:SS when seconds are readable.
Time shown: **8:18**
